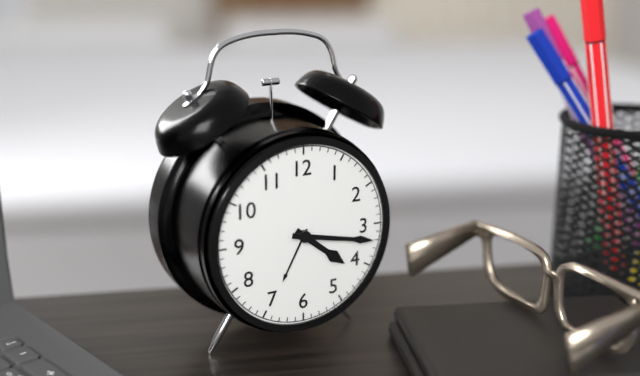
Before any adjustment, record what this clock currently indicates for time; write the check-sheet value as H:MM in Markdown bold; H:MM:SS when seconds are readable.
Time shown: **4:17**
